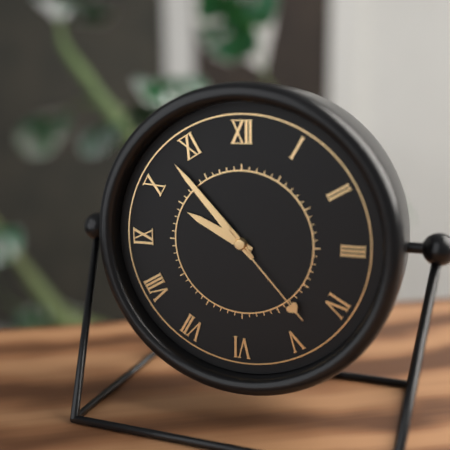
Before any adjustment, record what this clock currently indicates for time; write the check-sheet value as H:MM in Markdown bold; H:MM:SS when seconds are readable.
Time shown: **9:53:23**
